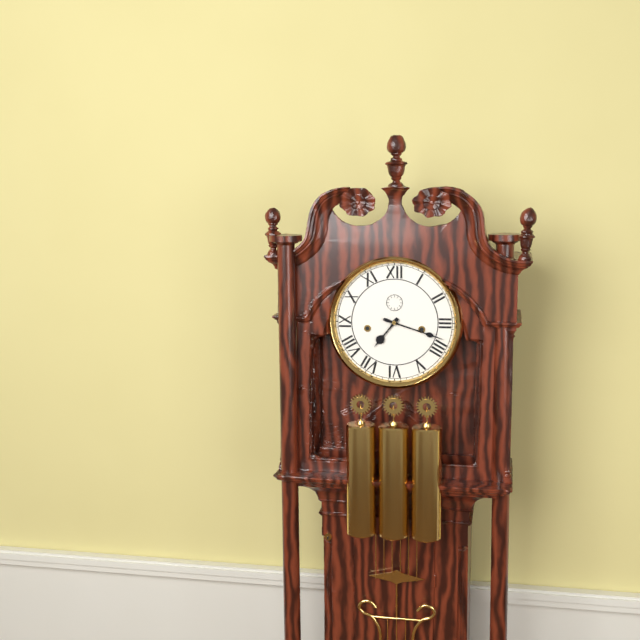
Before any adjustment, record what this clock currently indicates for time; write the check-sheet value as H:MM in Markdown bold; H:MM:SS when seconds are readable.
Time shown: **7:18**
